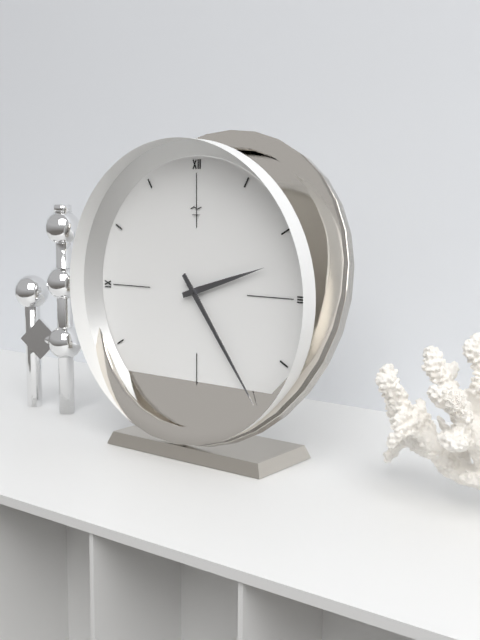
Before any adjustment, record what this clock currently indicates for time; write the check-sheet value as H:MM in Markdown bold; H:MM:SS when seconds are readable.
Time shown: **2:24**
